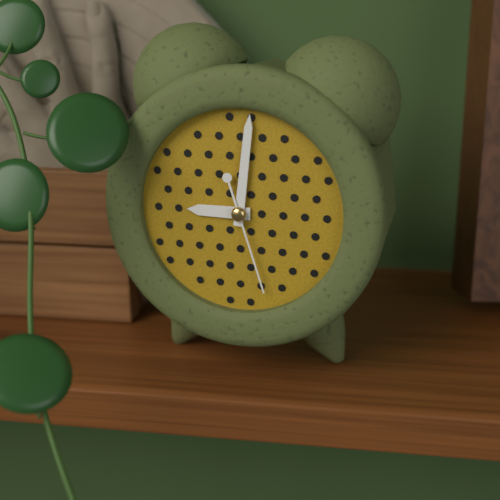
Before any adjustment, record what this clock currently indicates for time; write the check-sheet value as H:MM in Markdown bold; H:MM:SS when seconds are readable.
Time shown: **9:01:27**
